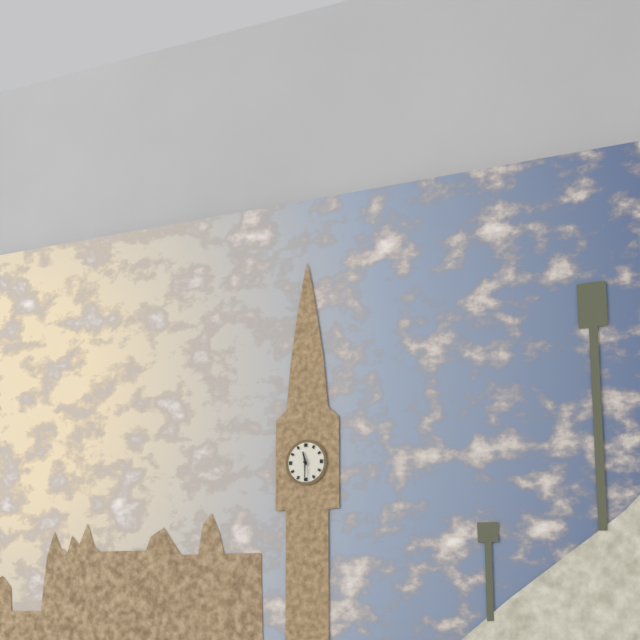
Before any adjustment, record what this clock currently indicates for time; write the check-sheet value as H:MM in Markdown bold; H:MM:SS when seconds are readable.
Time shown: **11:30**
